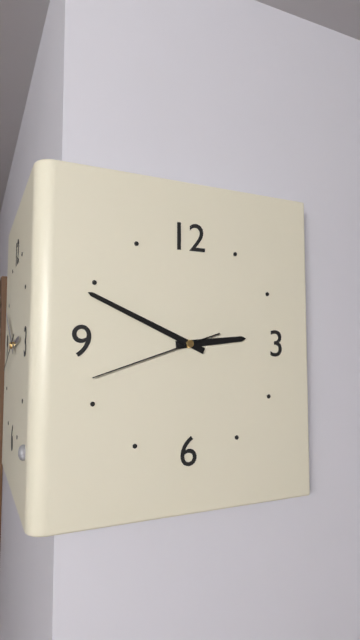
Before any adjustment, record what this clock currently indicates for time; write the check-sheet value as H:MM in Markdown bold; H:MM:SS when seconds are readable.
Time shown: **2:49:42**
